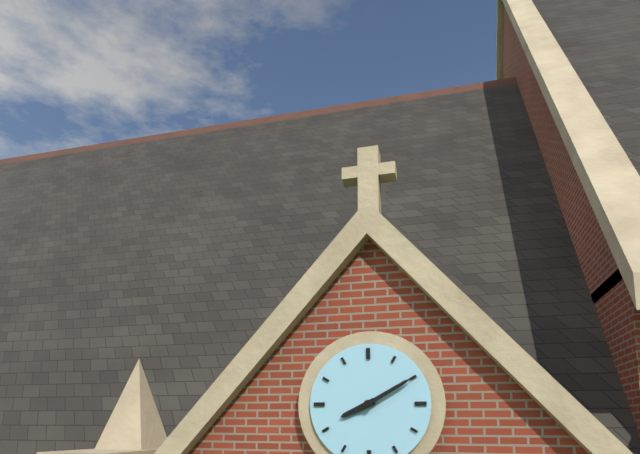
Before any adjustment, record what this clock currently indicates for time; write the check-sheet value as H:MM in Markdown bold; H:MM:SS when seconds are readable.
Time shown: **8:10**
